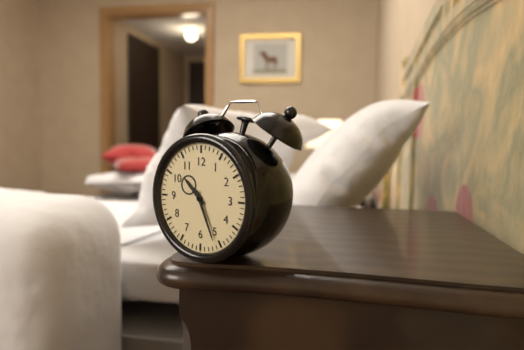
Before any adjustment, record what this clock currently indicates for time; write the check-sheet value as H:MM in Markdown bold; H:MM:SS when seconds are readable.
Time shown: **10:26**
